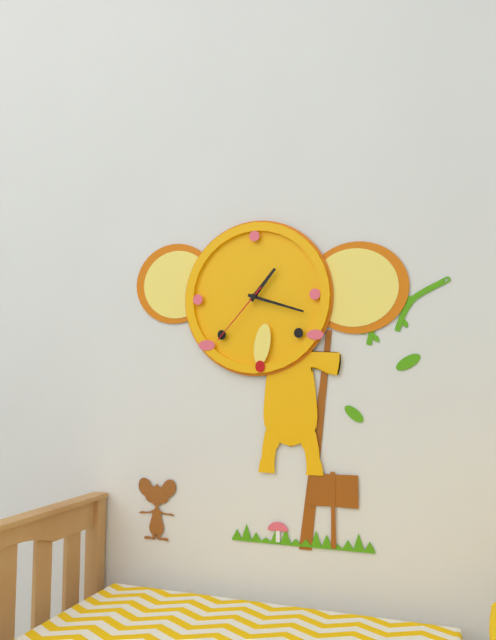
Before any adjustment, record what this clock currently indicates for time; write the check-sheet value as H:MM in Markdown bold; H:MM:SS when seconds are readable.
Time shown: **1:18:37**
